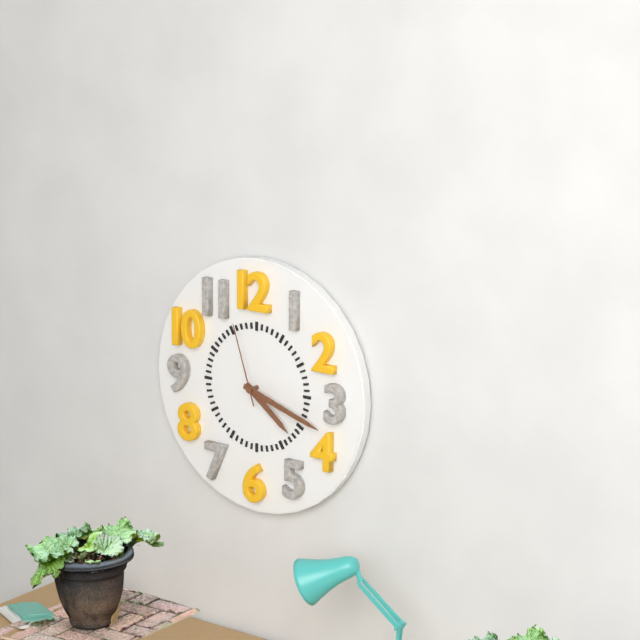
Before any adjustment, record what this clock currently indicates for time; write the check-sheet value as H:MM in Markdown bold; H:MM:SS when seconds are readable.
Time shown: **4:18:57**
